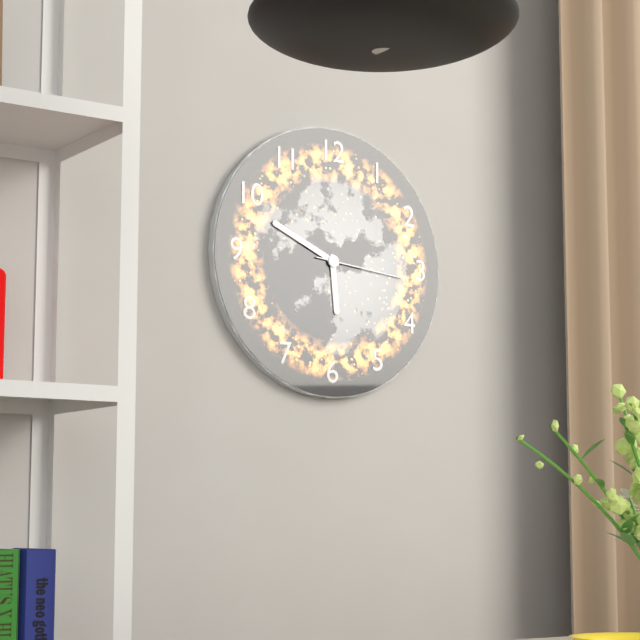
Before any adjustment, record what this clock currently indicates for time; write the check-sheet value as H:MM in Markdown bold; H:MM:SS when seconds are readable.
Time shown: **5:49:16**
